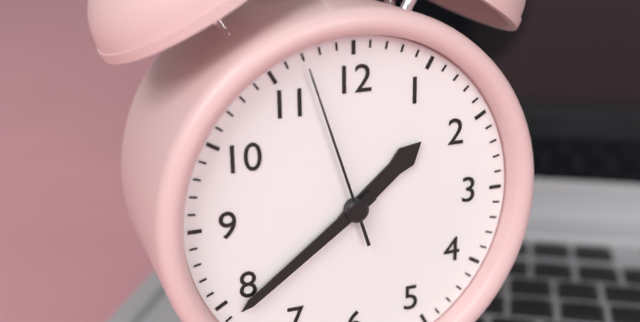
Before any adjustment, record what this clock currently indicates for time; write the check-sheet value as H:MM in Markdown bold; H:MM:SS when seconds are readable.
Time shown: **1:39:57**
